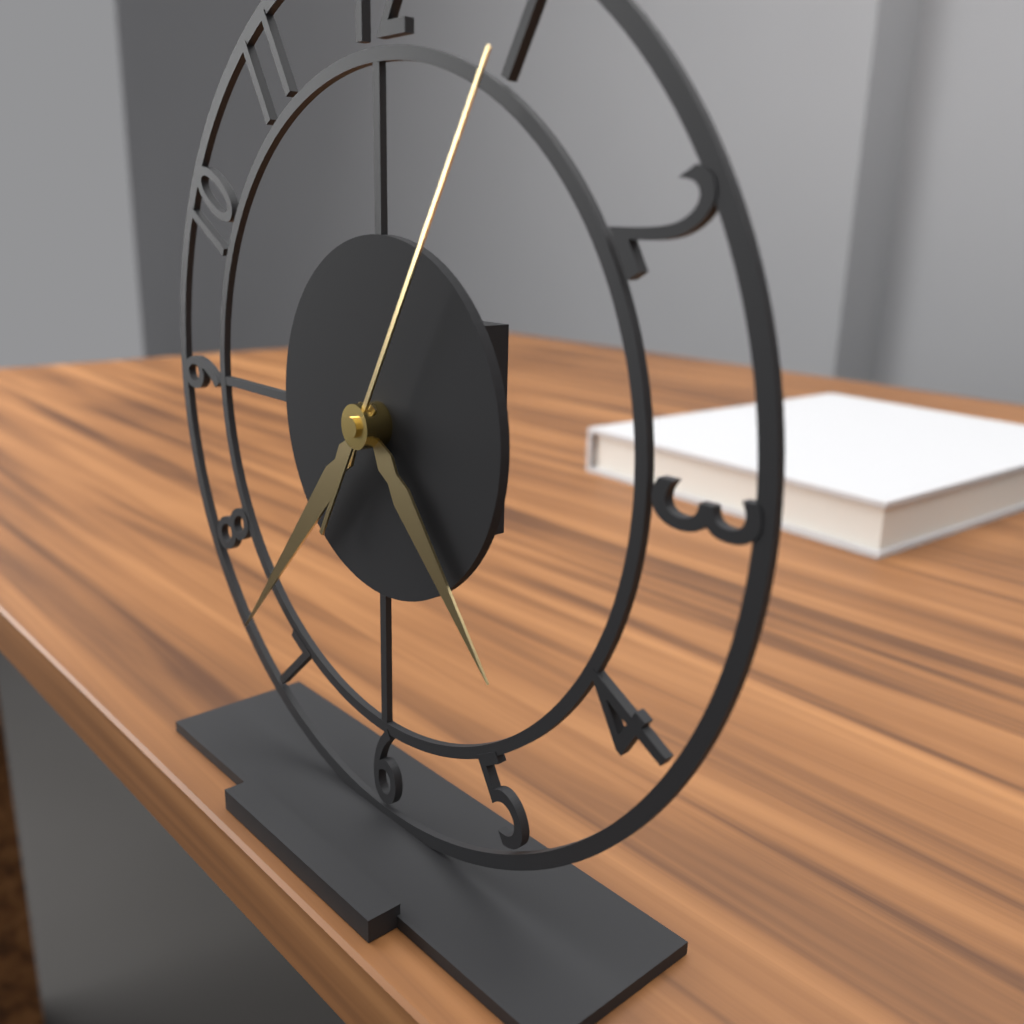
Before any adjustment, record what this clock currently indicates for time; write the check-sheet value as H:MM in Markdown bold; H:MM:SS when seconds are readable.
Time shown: **4:37:05**
